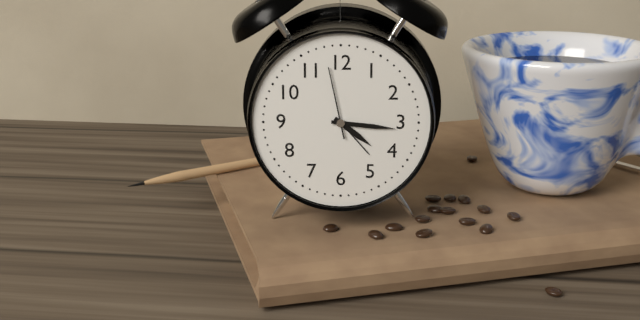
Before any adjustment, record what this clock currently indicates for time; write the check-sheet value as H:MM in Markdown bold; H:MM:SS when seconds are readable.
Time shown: **4:16:58**
